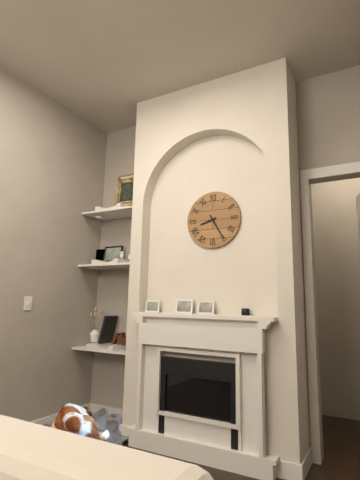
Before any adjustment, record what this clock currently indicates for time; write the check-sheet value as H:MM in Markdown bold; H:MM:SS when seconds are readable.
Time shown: **8:25**
